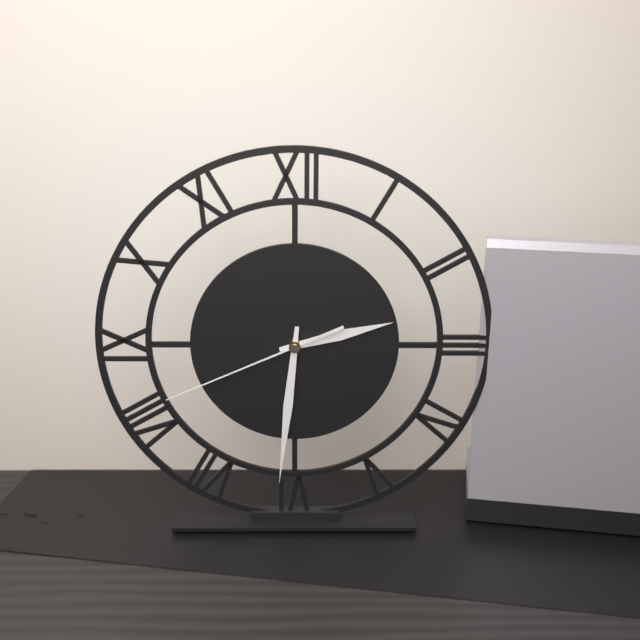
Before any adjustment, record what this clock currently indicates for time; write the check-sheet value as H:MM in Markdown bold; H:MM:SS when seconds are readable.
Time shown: **2:31:41**
